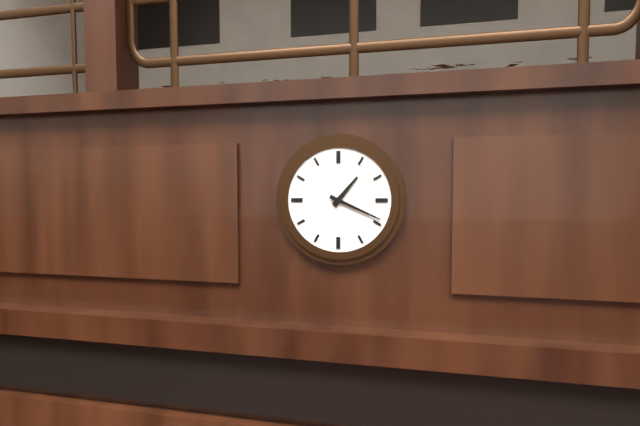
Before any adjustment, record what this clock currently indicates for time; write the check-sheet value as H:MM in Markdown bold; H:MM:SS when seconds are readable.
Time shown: **1:19**
